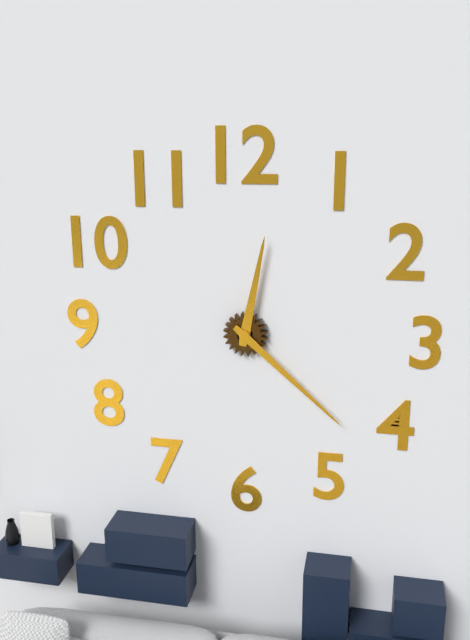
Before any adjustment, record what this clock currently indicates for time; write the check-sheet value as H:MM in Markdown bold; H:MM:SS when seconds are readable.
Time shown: **12:22**
